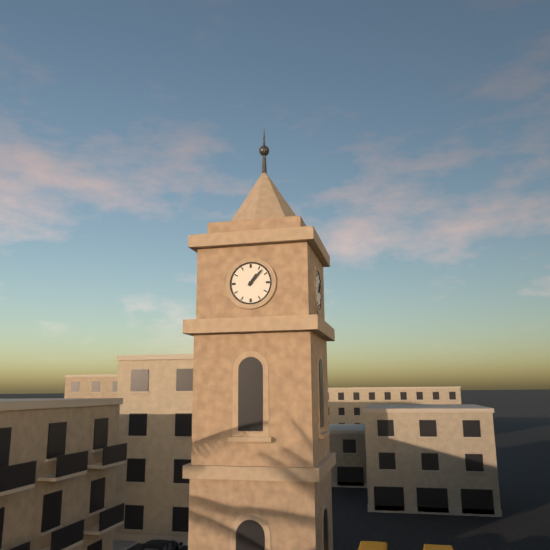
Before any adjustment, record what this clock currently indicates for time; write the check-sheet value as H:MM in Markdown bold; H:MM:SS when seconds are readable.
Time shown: **1:07**
